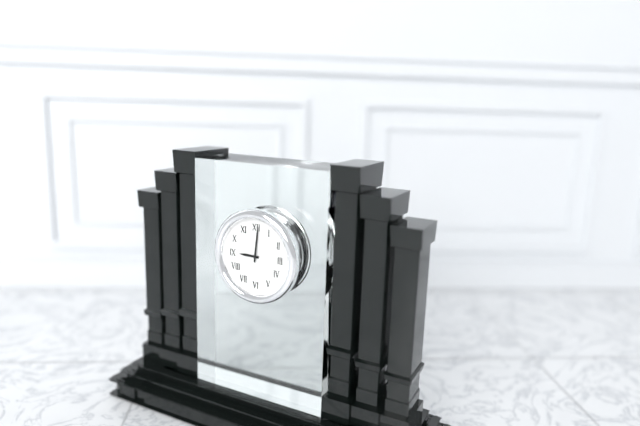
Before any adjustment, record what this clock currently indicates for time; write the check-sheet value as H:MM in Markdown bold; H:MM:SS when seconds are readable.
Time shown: **9:01**
